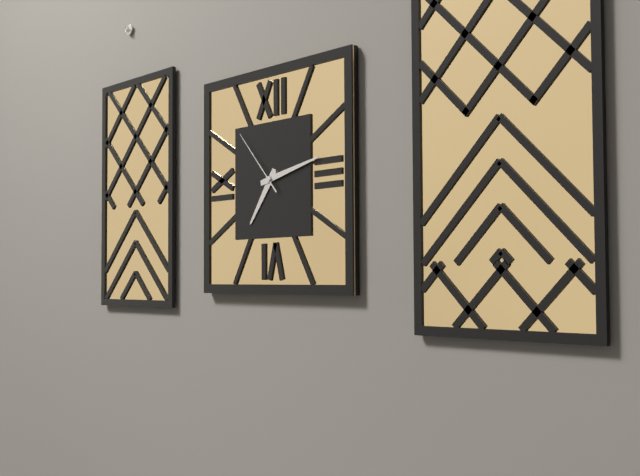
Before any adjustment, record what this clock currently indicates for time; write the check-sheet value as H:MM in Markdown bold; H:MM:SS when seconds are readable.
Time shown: **7:13:53**
